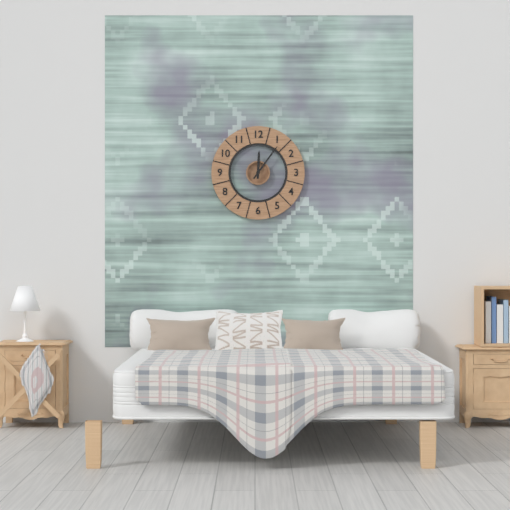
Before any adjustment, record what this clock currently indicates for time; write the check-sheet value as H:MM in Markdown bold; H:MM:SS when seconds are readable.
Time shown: **12:06**
